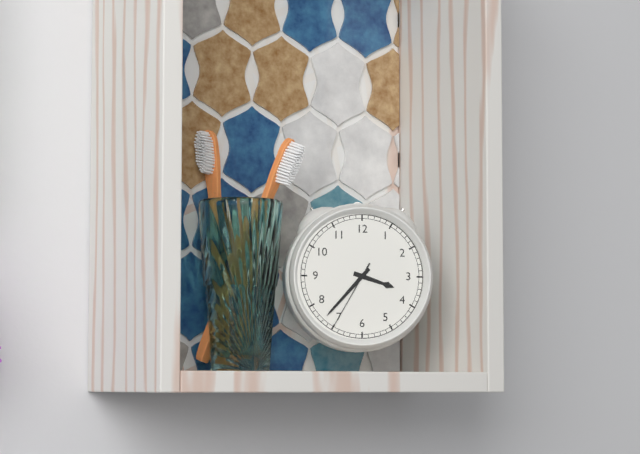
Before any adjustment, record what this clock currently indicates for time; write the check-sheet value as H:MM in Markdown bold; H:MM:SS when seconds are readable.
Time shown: **3:37:35**
